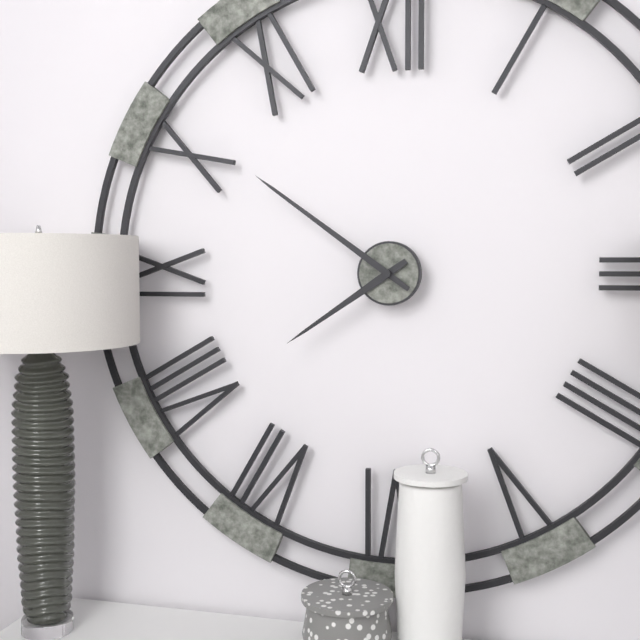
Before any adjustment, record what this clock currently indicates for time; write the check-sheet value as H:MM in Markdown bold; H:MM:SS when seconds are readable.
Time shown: **7:51**
